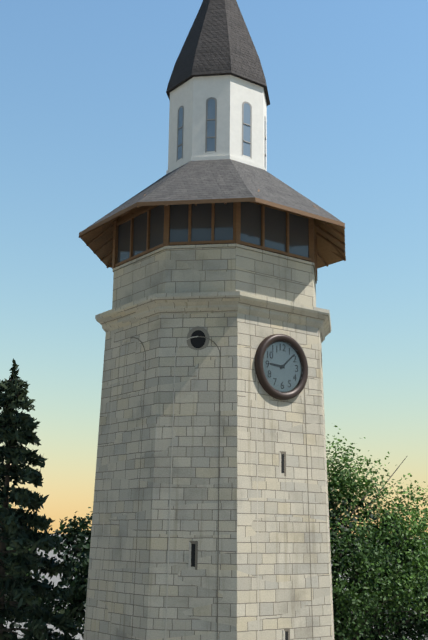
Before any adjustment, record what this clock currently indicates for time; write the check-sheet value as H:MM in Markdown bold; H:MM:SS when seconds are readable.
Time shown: **9:08**
